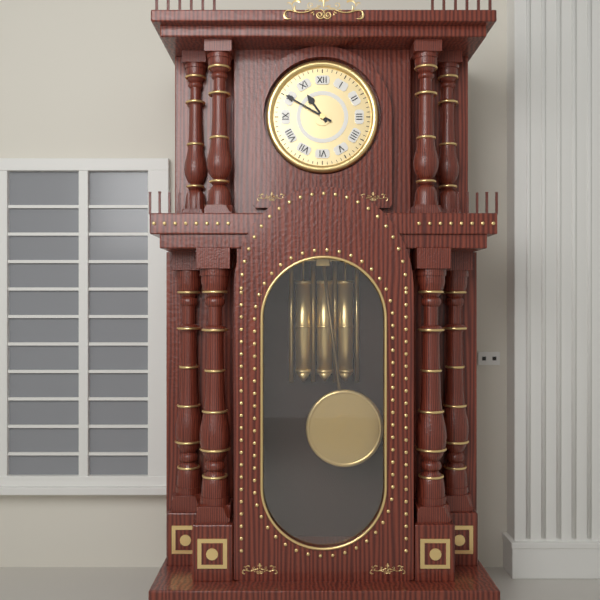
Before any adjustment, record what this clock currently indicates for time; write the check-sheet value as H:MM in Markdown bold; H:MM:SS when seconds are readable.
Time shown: **10:50**
